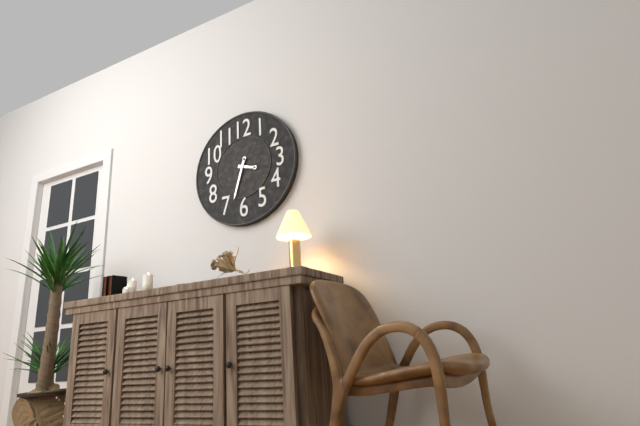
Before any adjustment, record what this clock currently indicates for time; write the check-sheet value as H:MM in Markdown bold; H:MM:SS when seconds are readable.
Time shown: **3:33**
